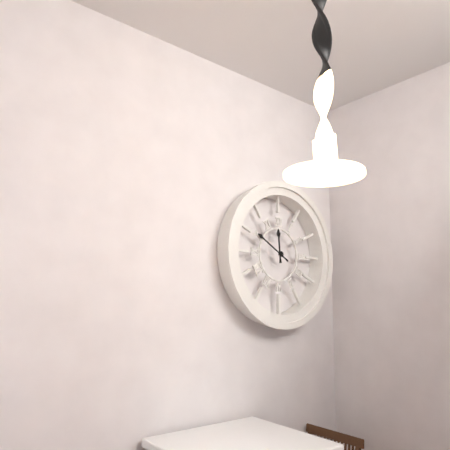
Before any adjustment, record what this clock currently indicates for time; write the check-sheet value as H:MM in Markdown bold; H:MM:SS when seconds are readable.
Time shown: **11:50**
